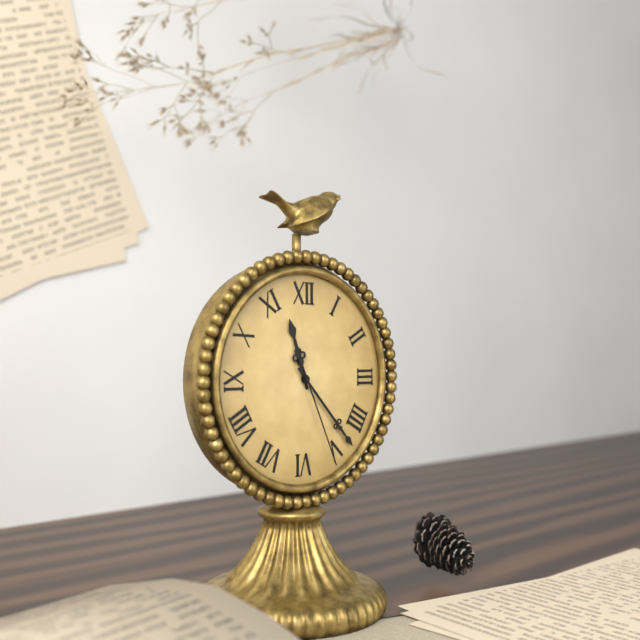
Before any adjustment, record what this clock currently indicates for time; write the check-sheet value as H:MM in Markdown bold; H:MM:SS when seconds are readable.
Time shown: **11:23:26**
